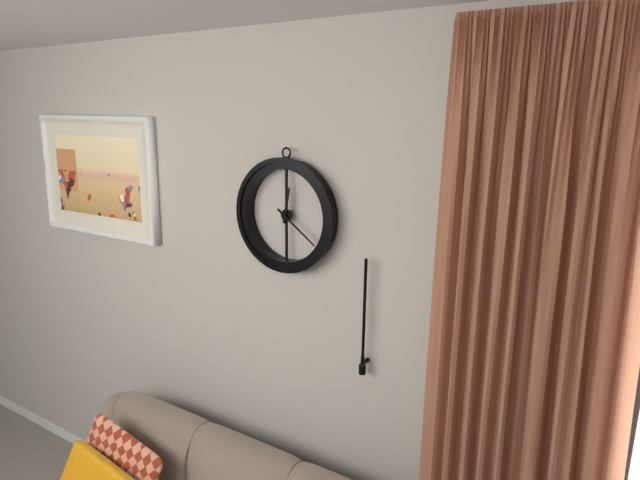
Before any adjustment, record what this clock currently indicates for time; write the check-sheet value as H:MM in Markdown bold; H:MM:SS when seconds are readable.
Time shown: **12:21**
